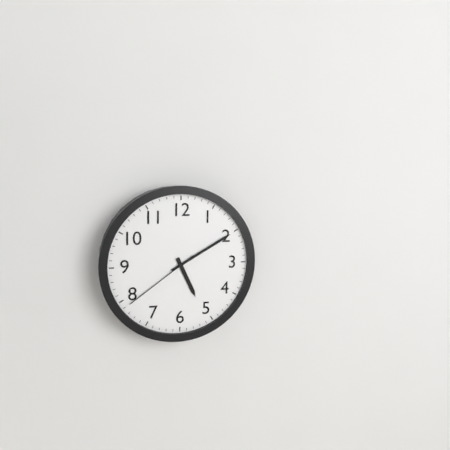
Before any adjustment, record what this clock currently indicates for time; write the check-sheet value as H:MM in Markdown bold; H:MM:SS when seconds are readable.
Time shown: **5:10:39**
